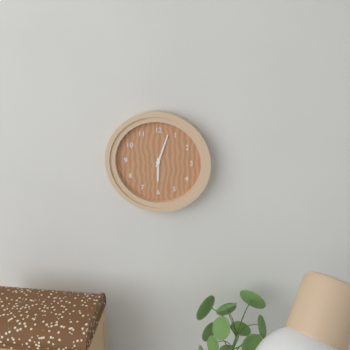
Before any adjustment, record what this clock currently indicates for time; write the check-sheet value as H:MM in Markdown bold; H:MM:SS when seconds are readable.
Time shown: **6:03**
